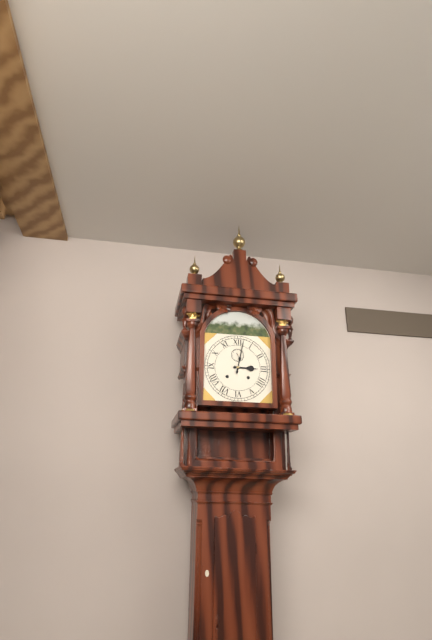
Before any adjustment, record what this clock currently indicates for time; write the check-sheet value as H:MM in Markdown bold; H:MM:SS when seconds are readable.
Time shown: **3:02**
